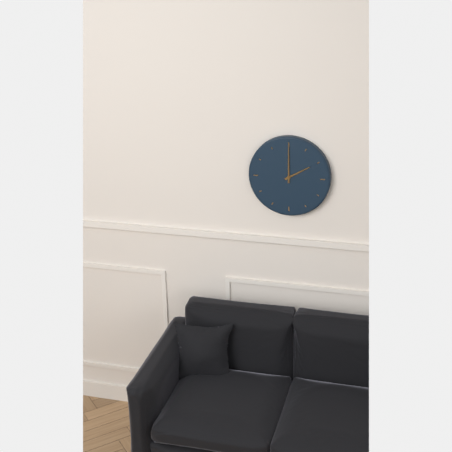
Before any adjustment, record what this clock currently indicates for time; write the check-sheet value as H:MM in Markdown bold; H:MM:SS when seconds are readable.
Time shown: **2:00**
